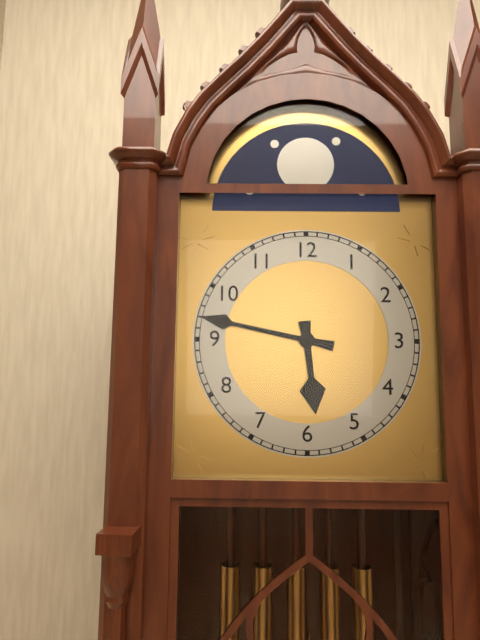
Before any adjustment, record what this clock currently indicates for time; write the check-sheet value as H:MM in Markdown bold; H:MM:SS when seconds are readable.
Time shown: **5:47**
